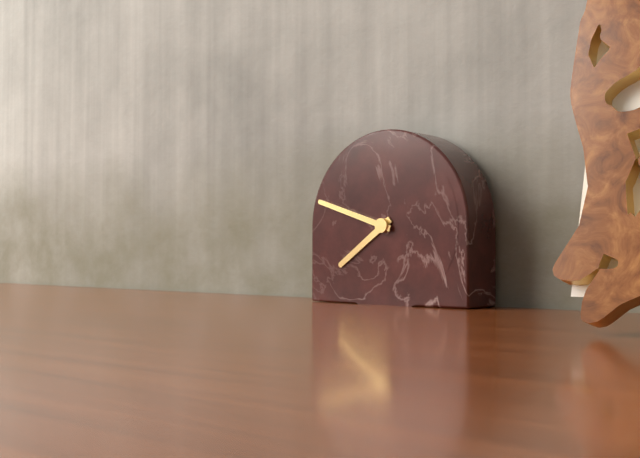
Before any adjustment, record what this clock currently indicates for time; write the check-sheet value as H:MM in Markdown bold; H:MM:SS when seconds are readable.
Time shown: **7:48**
